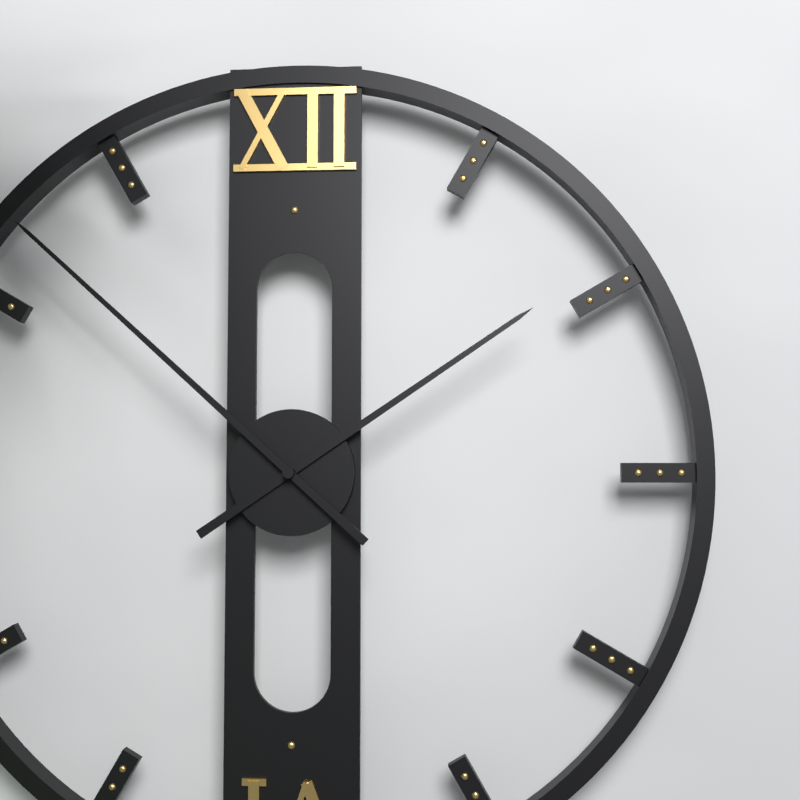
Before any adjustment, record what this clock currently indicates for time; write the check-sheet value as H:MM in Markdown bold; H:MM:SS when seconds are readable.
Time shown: **1:52**
